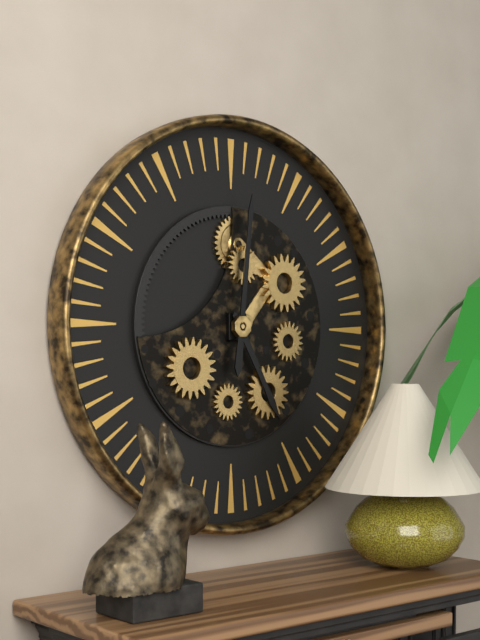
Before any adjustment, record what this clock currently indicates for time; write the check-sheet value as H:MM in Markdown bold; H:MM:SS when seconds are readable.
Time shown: **5:01**
